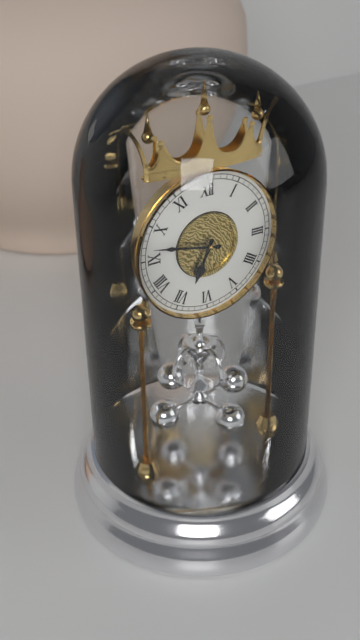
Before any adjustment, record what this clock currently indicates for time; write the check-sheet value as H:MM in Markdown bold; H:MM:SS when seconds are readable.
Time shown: **6:47**
